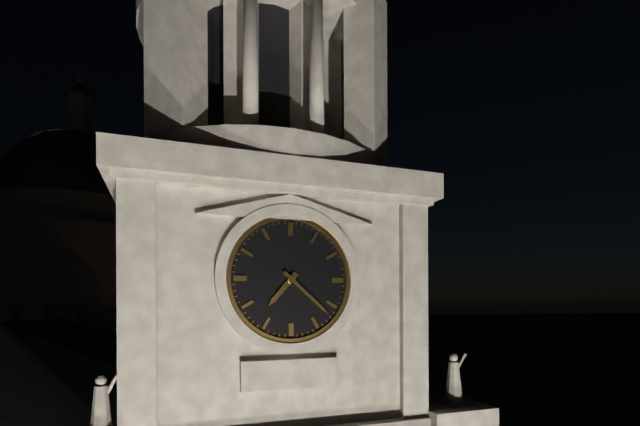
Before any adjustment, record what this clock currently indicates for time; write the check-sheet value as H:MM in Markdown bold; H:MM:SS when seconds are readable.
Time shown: **7:22**
